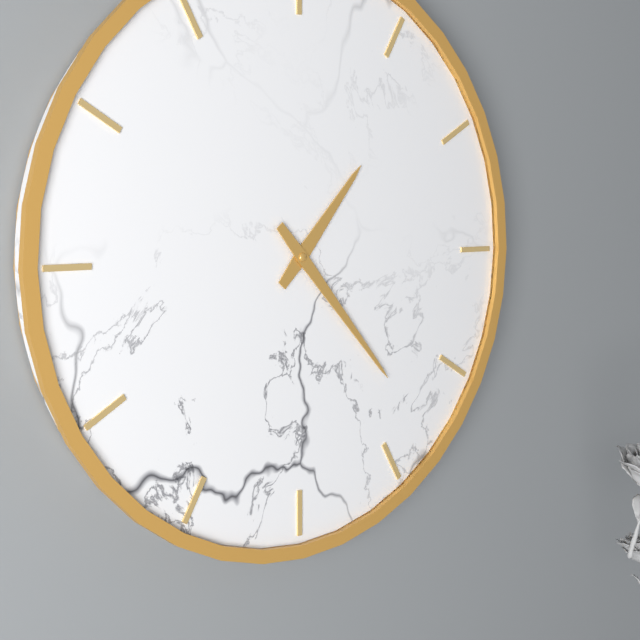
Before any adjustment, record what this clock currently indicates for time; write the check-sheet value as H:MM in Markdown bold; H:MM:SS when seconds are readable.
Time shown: **1:23**
